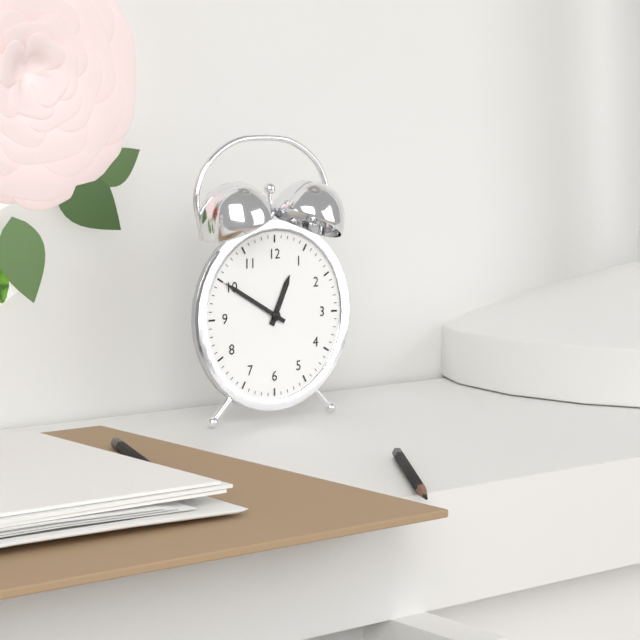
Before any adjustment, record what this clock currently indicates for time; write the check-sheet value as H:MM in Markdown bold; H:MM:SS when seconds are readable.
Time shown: **12:50**
